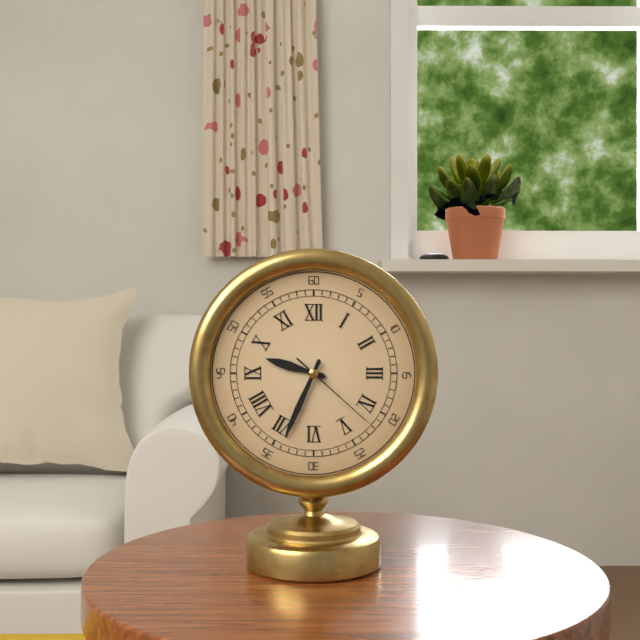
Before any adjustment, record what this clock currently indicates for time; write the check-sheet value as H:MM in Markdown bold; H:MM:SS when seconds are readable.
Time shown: **9:34:22**
